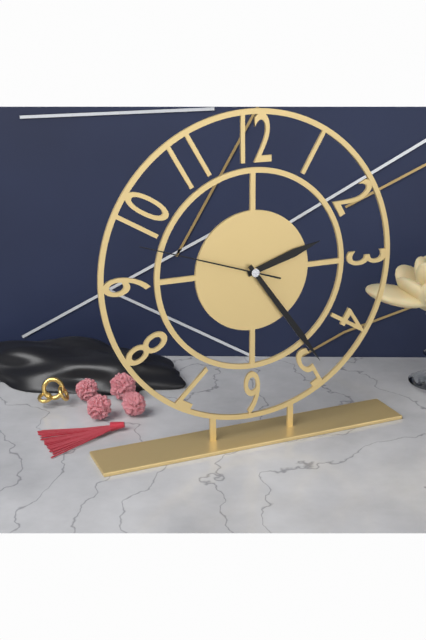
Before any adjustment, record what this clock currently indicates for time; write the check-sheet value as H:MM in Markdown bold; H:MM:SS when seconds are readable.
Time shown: **2:24:48**
